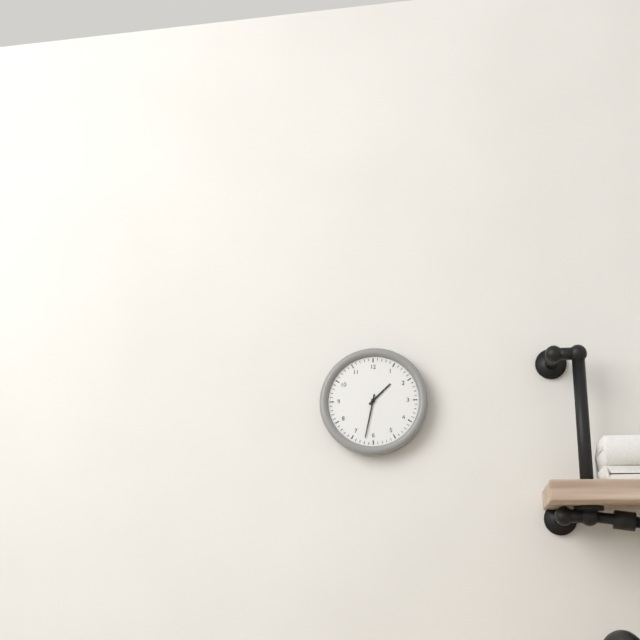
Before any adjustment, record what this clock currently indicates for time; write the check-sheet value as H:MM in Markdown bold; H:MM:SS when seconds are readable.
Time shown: **1:32**
